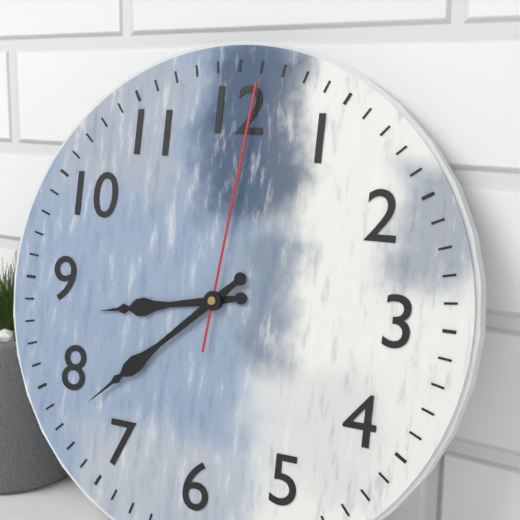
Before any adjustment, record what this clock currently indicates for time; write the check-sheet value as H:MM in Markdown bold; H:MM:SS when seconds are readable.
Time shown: **8:38:01**
